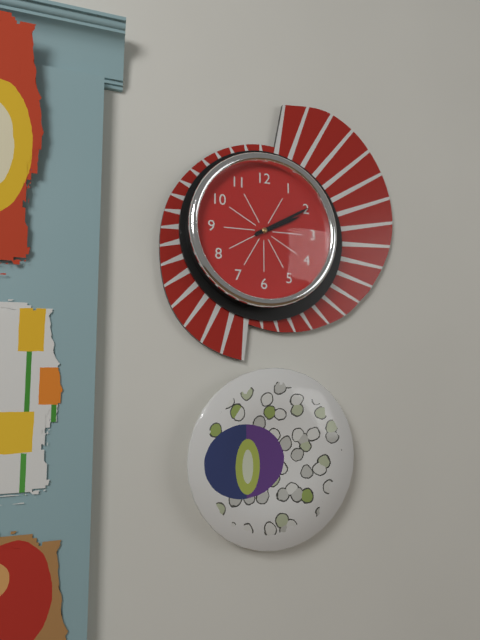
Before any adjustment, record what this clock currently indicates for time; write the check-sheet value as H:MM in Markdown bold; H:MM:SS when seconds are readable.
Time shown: **2:10**
